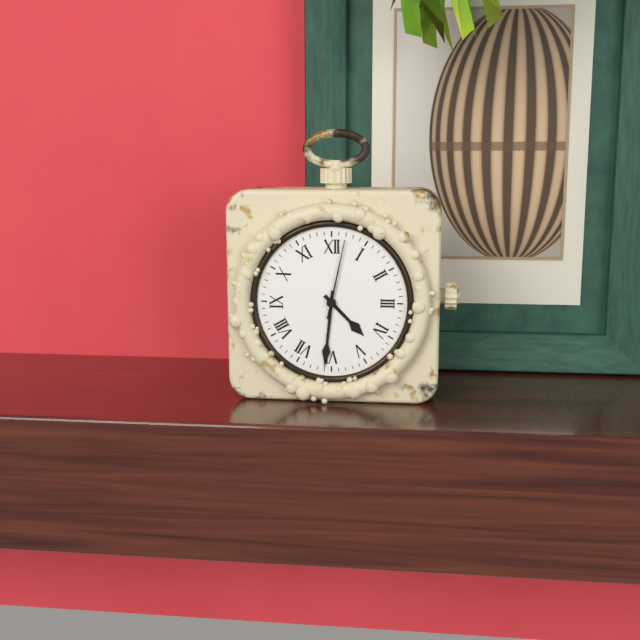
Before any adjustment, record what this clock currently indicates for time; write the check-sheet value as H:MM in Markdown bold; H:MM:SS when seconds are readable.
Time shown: **4:31:02**
